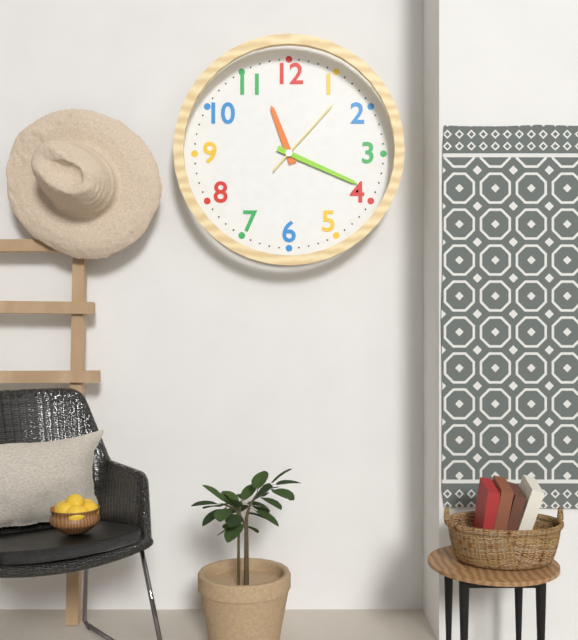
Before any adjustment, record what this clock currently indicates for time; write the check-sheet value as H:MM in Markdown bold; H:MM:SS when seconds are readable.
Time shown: **11:19:07**
